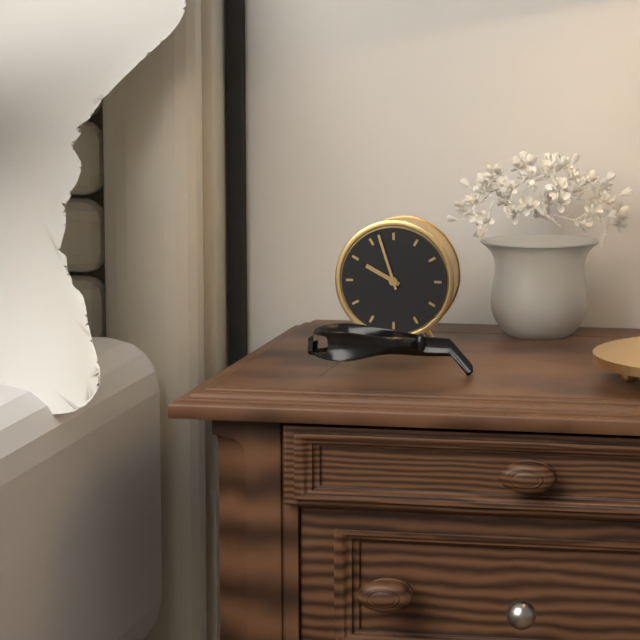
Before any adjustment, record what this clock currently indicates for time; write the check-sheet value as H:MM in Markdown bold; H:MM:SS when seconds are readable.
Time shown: **9:57**
